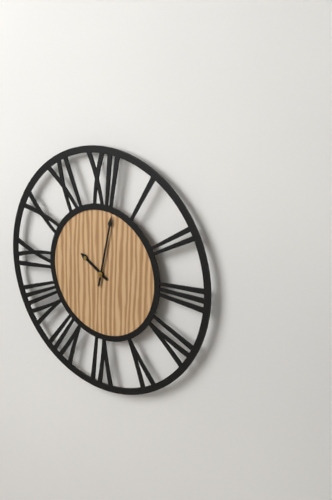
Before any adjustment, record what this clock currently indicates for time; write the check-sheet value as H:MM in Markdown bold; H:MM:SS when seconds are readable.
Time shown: **10:02**
